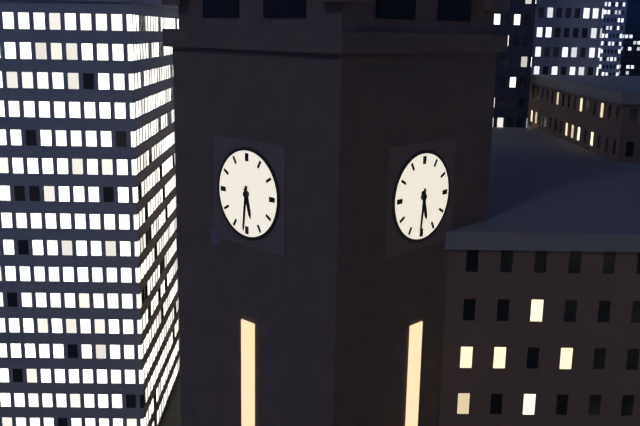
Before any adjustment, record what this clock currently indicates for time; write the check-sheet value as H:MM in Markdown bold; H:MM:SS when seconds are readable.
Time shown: **5:31**
